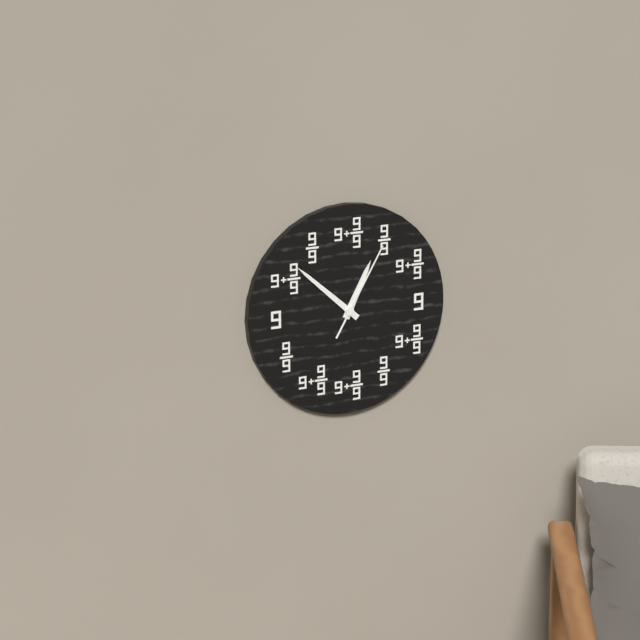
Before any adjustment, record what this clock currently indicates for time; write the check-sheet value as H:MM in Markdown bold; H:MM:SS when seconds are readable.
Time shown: **12:52:05**
